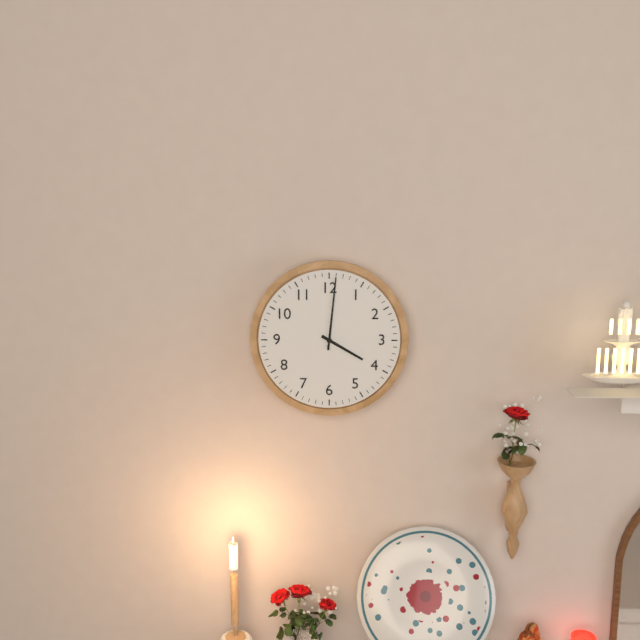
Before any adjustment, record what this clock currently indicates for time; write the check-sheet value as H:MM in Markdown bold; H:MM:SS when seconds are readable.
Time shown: **4:01**
